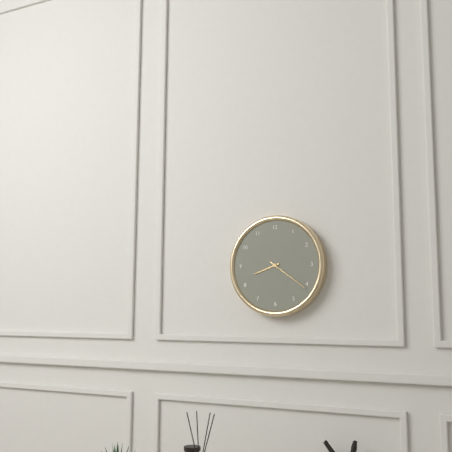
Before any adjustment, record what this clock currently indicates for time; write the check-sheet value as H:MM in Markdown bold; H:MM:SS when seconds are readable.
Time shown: **8:21**
